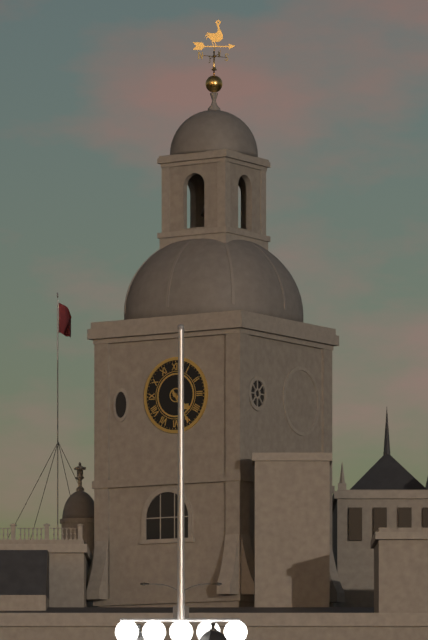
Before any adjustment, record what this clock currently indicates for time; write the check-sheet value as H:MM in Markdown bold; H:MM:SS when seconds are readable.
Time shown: **4:25**
